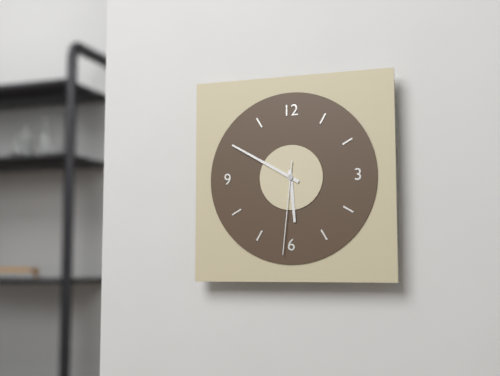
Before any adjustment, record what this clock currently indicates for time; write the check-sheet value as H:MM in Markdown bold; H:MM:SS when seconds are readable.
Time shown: **5:50:31**
